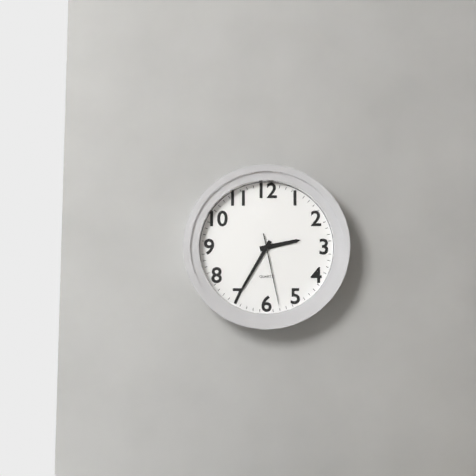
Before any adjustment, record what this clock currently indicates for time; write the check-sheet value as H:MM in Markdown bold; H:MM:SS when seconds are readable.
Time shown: **2:35:28**
